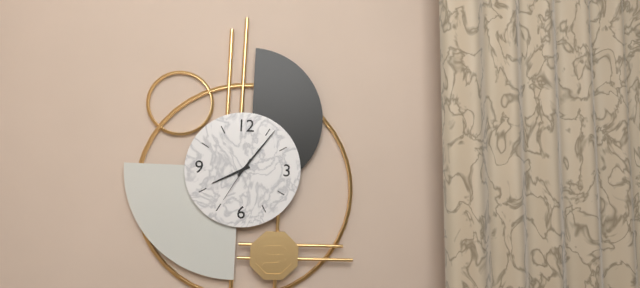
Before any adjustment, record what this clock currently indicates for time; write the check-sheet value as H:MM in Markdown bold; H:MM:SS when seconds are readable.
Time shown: **8:06**
